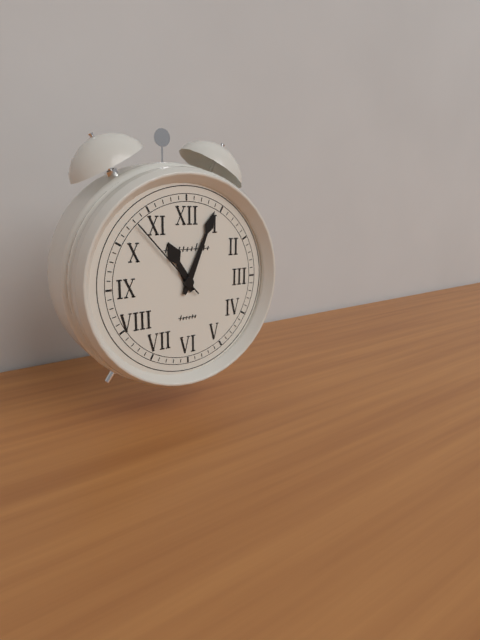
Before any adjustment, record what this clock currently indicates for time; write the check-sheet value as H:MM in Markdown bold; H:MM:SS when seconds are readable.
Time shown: **11:04:53**
